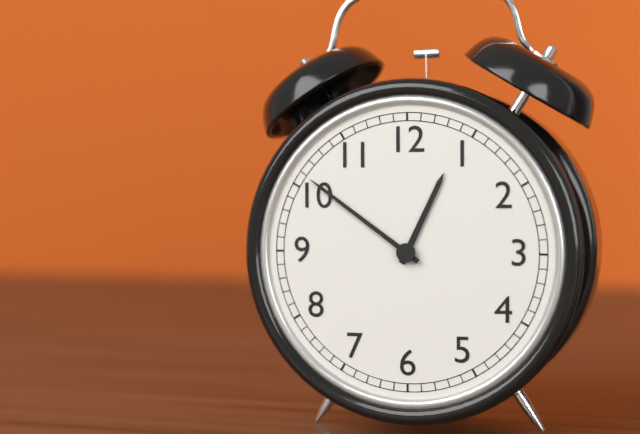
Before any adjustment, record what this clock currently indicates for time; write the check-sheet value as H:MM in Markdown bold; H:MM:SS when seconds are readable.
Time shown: **12:51**
